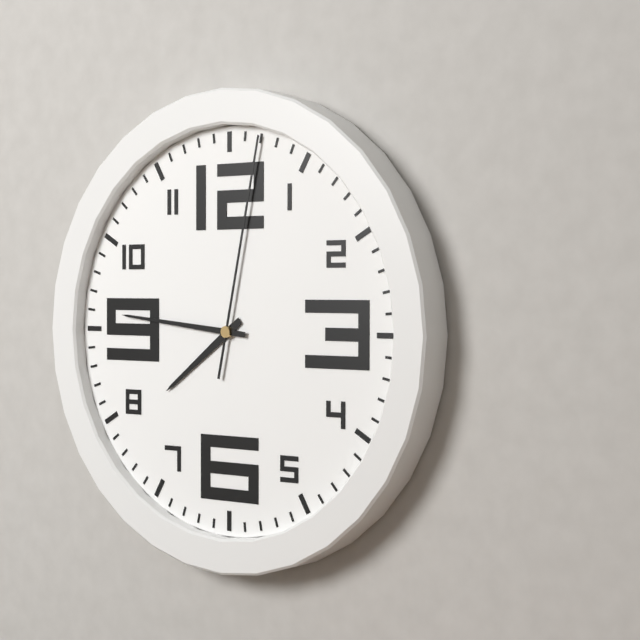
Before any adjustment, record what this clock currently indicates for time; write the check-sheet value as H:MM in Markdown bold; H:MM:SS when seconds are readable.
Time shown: **7:46:02**
